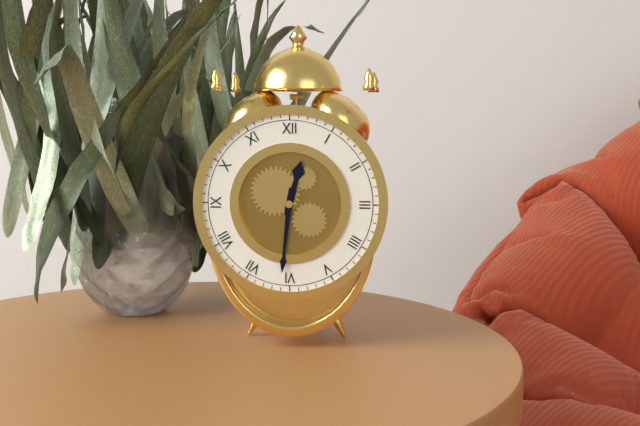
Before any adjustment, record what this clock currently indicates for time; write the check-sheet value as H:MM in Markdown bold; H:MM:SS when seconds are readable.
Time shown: **12:31**
